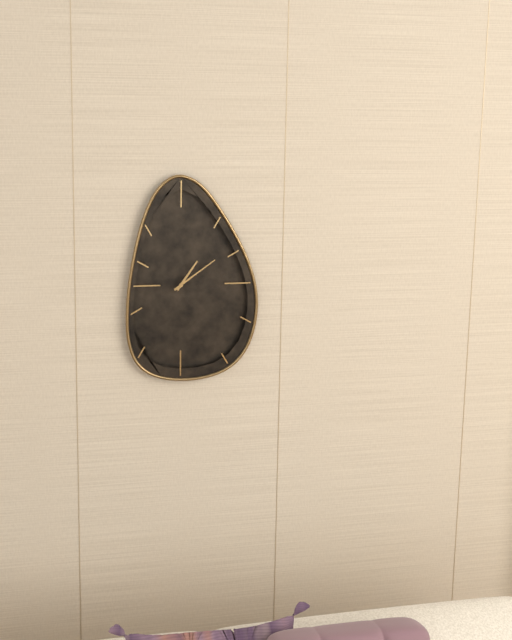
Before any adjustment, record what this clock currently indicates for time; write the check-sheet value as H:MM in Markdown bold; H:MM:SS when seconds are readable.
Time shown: **1:09**
